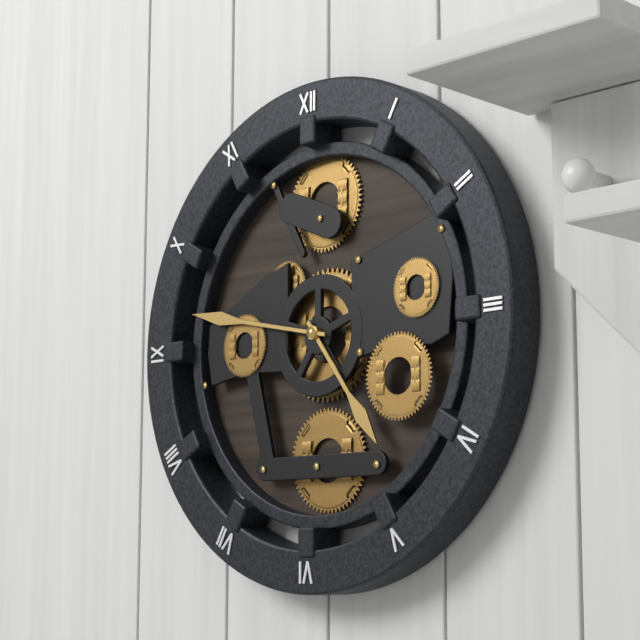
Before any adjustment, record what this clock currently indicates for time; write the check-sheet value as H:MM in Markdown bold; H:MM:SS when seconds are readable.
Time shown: **4:47**
